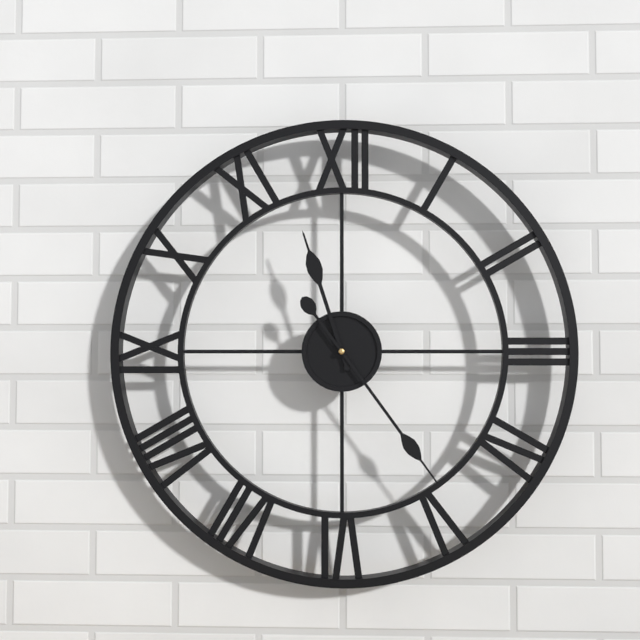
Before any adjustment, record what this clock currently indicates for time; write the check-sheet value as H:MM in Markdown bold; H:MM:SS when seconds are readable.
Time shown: **11:24**
